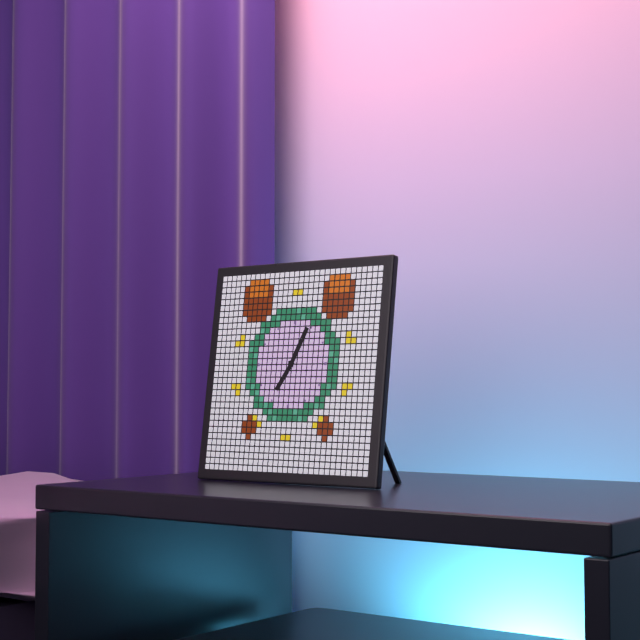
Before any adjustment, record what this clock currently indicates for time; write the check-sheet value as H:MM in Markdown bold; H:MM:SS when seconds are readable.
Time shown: **7:04**
